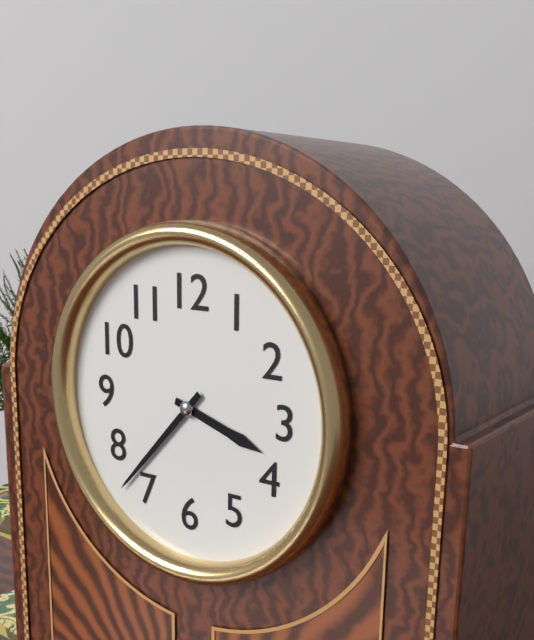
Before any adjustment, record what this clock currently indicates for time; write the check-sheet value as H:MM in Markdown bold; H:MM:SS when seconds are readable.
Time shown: **3:37**
